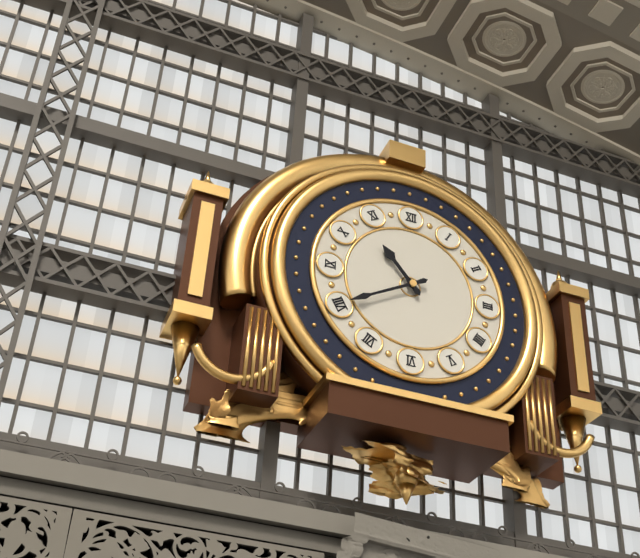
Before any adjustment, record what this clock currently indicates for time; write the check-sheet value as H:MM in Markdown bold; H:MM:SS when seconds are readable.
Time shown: **10:40**
